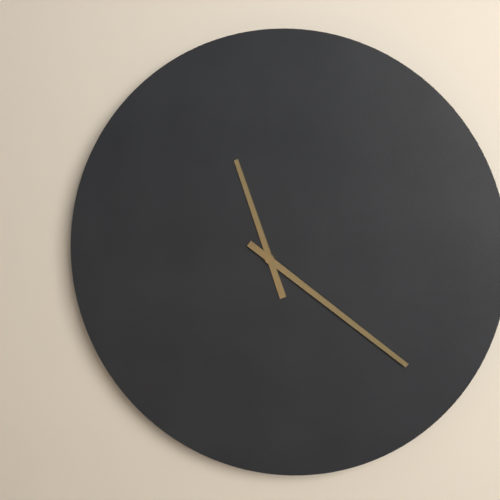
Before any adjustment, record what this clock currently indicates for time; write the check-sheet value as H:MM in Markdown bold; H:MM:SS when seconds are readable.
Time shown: **11:21**
